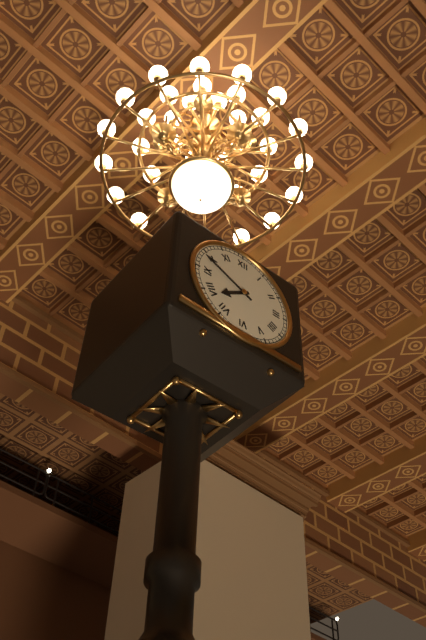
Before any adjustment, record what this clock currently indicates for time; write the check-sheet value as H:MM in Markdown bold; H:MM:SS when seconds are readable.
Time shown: **7:49**
